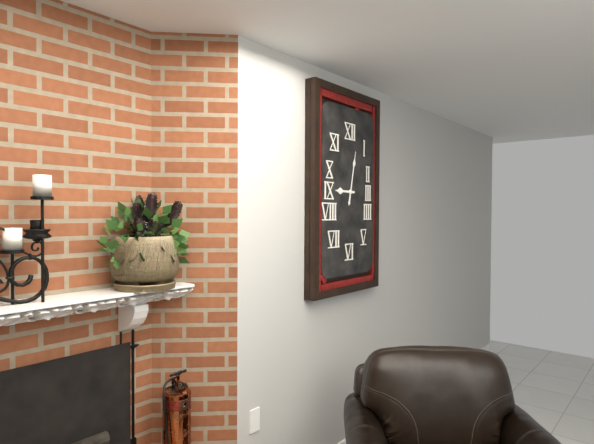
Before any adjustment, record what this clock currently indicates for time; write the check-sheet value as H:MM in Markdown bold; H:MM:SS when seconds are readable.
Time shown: **9:02**
